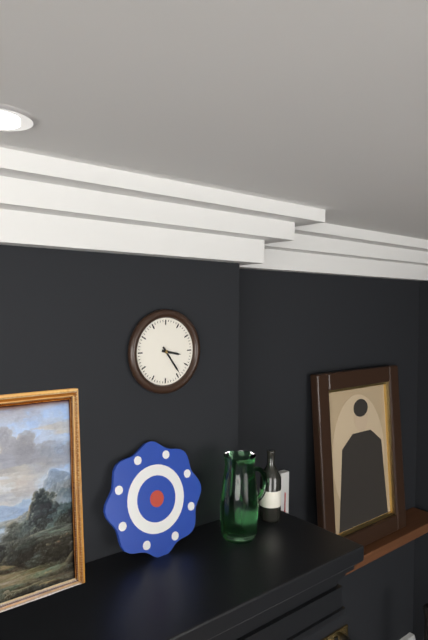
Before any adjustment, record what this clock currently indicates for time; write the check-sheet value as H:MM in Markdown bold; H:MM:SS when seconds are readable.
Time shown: **3:24**
